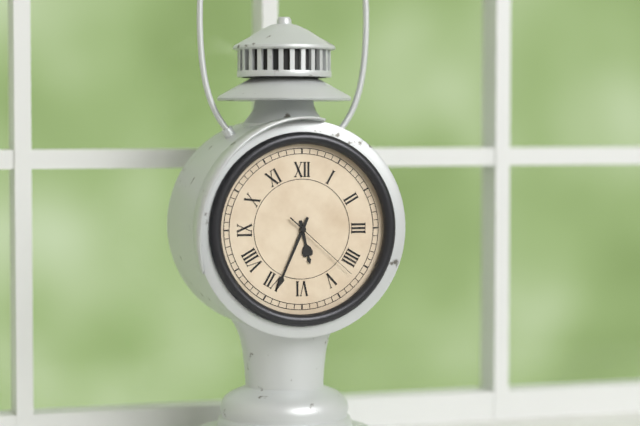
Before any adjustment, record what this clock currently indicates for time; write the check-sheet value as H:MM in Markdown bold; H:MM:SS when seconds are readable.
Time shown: **5:34:22**
